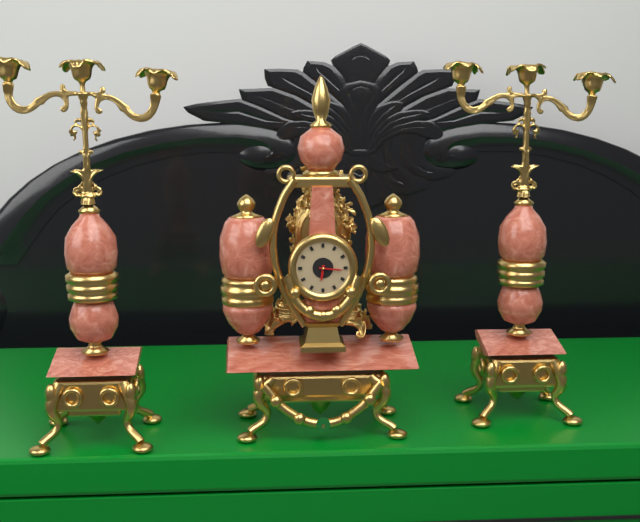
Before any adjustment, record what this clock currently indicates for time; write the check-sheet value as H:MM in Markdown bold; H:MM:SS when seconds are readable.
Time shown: **6:16**
